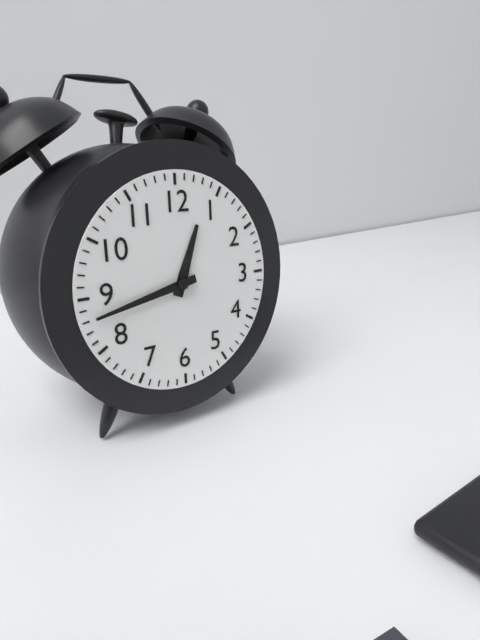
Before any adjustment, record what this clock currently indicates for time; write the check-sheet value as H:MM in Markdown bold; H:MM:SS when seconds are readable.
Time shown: **12:43**
